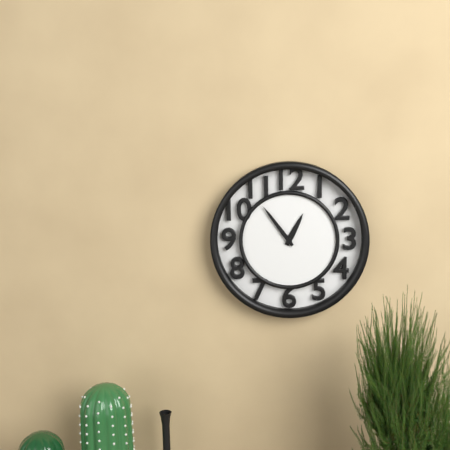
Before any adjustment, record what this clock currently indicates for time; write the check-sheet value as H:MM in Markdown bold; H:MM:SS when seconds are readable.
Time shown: **12:54**
